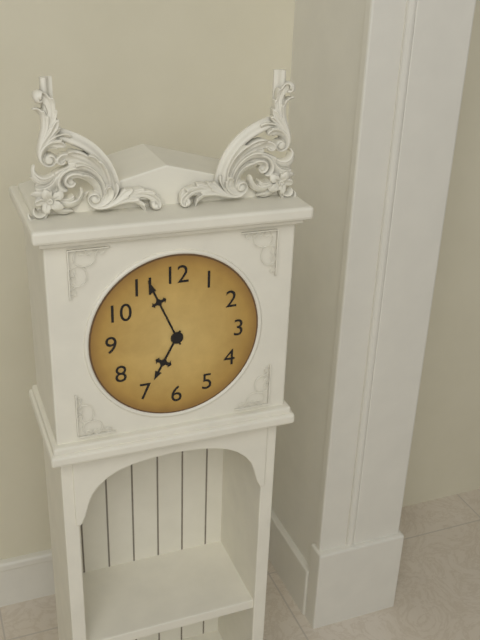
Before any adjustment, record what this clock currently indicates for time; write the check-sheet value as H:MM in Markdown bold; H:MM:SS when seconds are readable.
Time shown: **6:56**
